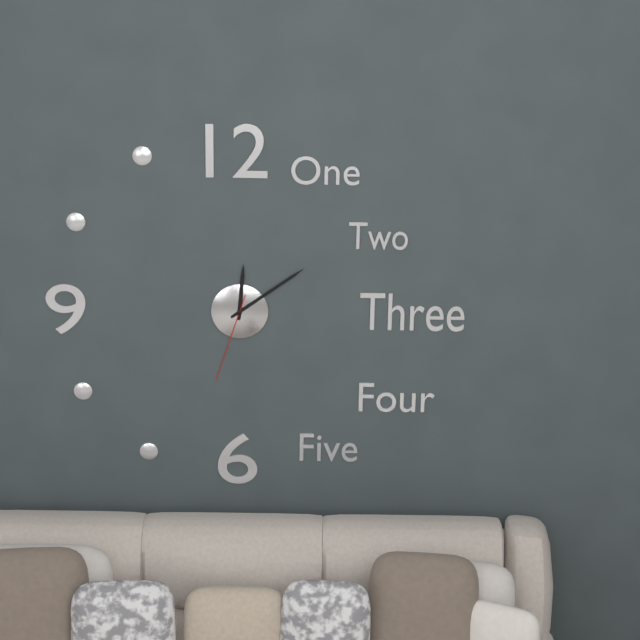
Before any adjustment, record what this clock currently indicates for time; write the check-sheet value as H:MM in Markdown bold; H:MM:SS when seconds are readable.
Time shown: **12:09:33**
